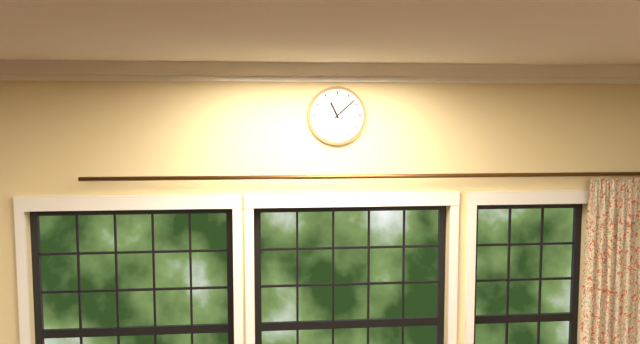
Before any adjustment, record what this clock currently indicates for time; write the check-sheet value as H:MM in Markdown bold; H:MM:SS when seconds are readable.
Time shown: **11:08**
